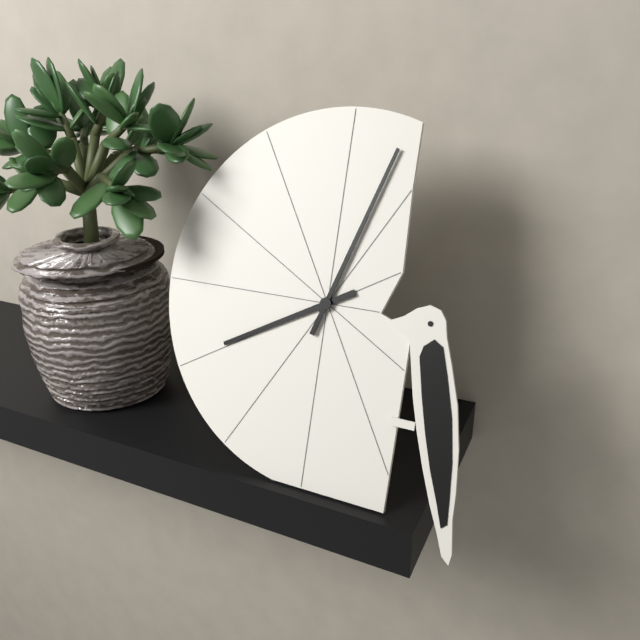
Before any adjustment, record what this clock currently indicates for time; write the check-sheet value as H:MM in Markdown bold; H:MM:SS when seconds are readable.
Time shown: **8:03**
